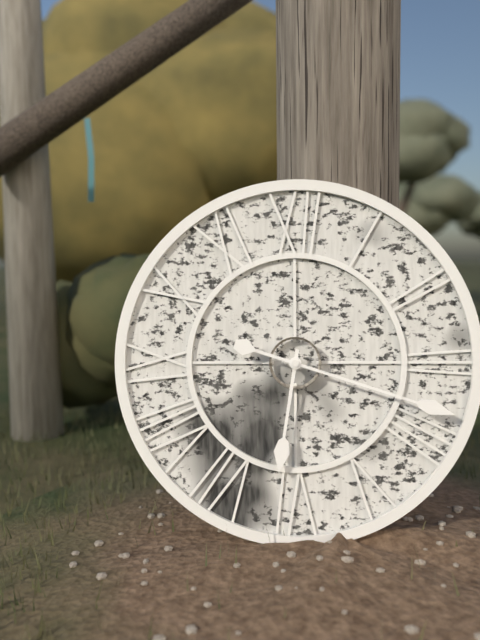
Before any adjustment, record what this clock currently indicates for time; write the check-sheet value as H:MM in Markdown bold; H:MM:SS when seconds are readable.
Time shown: **6:18**
